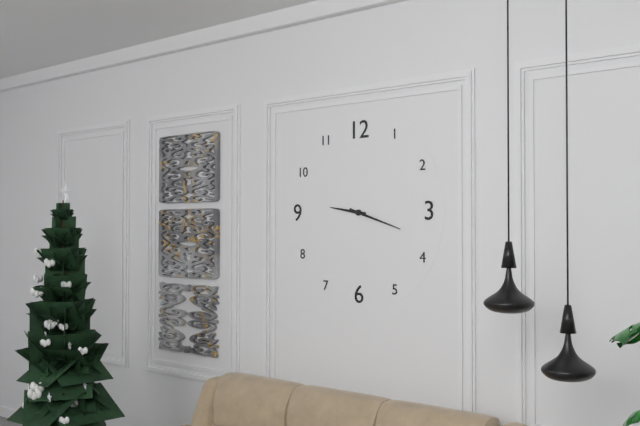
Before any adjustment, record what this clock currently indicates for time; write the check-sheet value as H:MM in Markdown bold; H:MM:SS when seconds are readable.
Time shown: **9:18**
